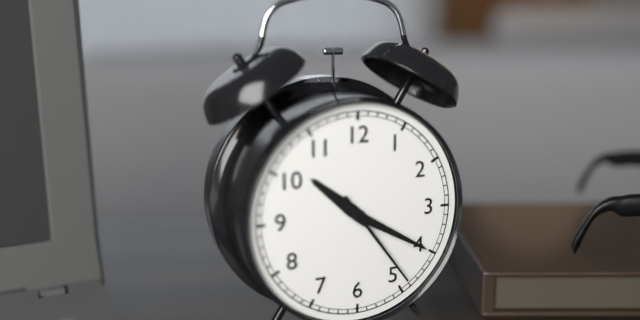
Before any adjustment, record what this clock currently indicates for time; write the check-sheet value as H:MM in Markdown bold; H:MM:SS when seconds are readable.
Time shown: **10:20:24**
